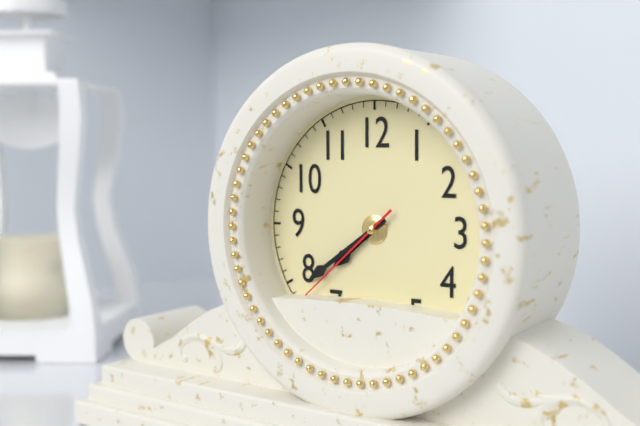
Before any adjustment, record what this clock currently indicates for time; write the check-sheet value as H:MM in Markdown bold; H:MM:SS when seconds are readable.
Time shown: **7:39:38**
